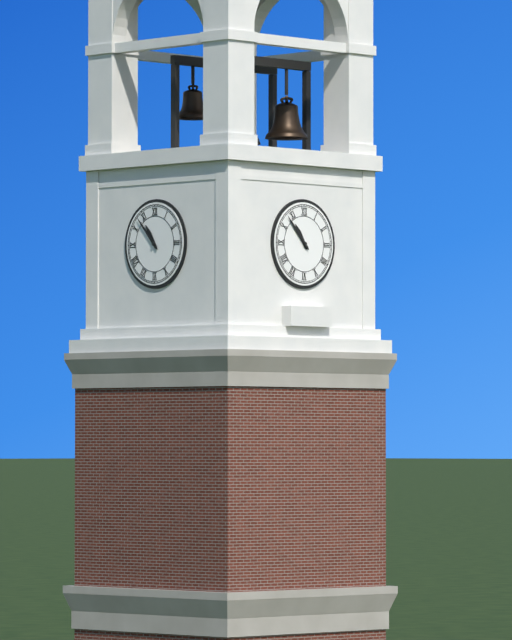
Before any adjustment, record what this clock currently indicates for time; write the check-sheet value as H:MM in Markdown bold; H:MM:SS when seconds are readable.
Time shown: **10:53**
